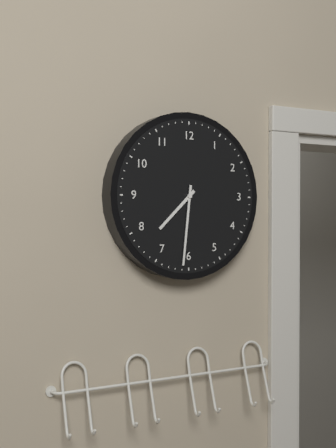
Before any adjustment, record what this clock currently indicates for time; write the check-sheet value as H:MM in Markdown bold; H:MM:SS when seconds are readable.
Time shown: **7:31**
